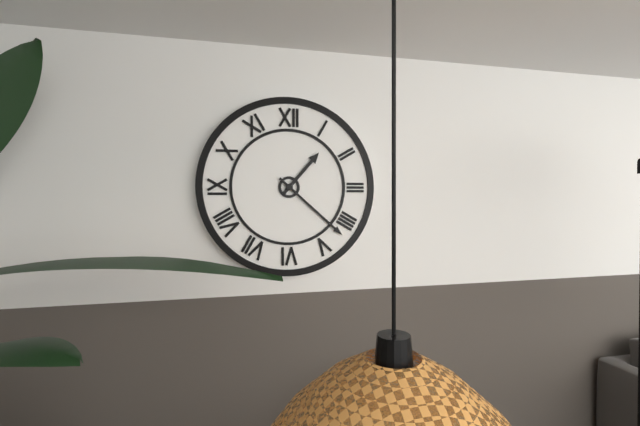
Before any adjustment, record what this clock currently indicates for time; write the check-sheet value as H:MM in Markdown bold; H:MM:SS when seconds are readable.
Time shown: **1:22**
